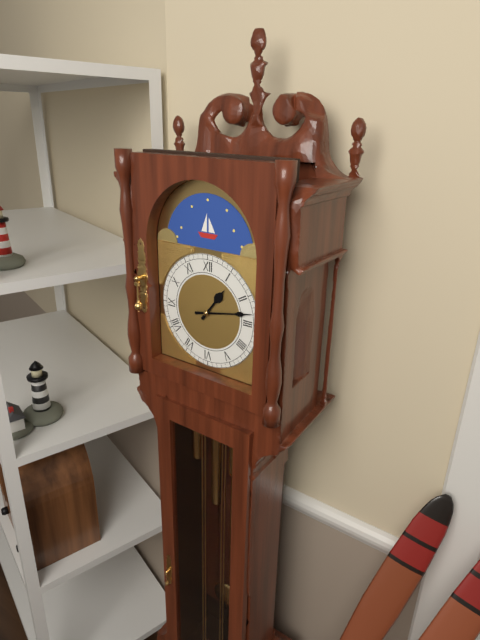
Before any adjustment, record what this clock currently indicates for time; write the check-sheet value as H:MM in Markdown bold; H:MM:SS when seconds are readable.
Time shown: **1:13**
